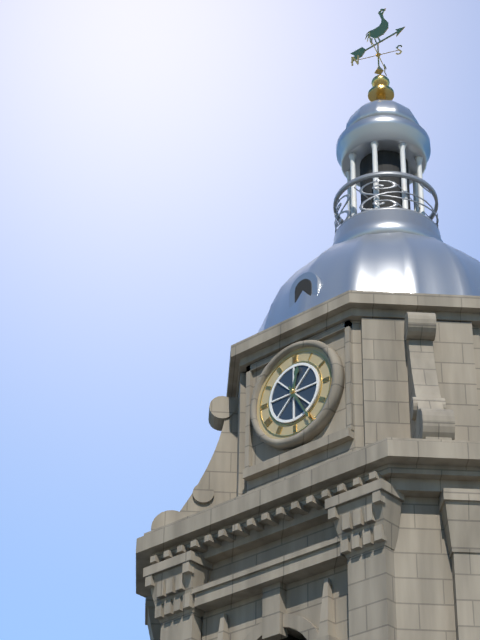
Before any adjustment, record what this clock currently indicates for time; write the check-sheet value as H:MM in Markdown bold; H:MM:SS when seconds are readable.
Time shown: **12:25**
